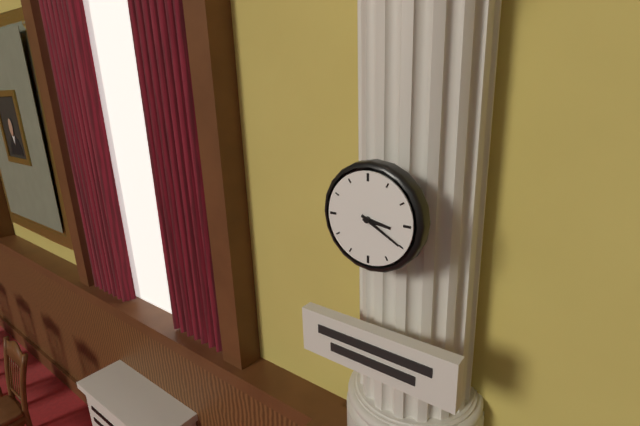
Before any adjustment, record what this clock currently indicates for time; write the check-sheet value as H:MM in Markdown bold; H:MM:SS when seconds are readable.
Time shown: **3:20**
